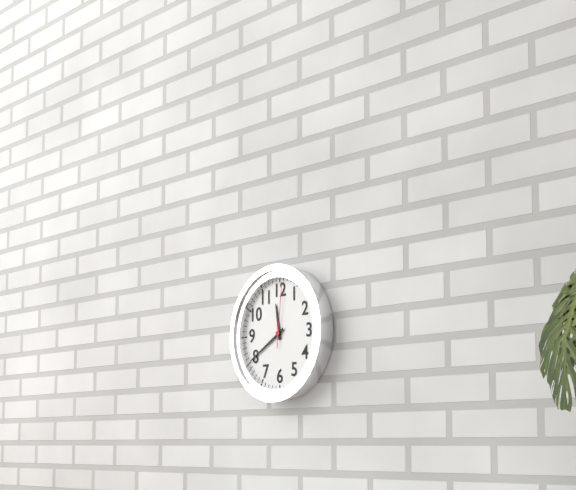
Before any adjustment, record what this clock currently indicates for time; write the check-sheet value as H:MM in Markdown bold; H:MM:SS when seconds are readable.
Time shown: **11:40:01**
